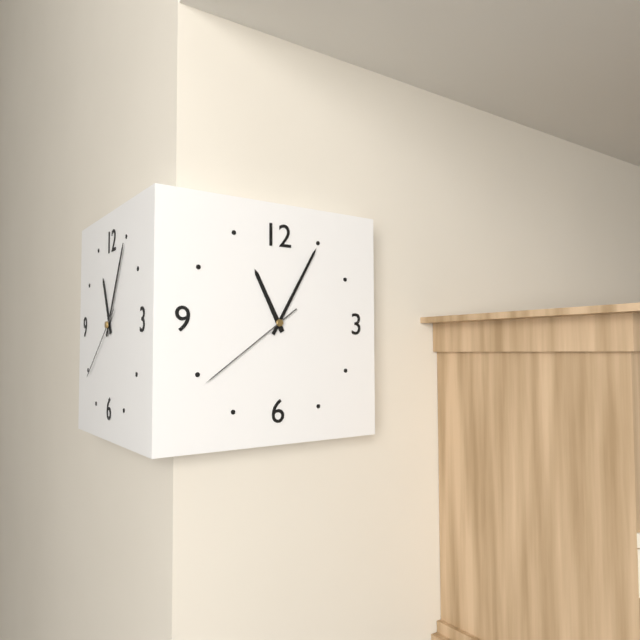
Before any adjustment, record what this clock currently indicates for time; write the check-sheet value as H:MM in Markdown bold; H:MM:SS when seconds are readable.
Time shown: **11:05:39**
